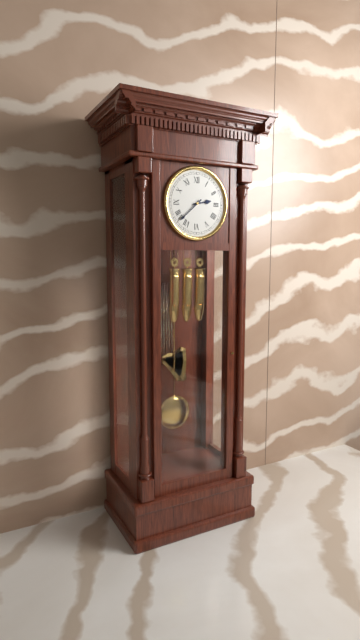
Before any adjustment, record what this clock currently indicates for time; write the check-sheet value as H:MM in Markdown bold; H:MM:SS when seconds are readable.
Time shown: **2:38**
